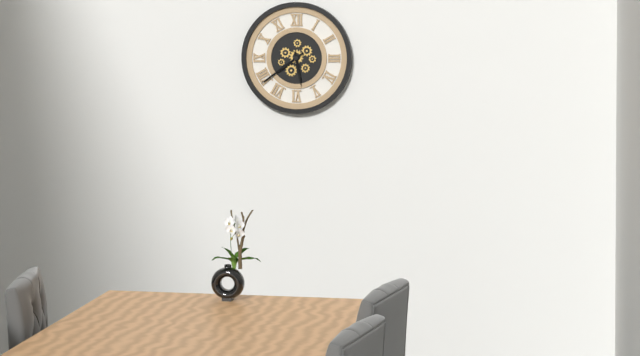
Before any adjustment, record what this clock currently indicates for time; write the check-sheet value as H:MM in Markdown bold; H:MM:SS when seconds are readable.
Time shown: **5:39**
